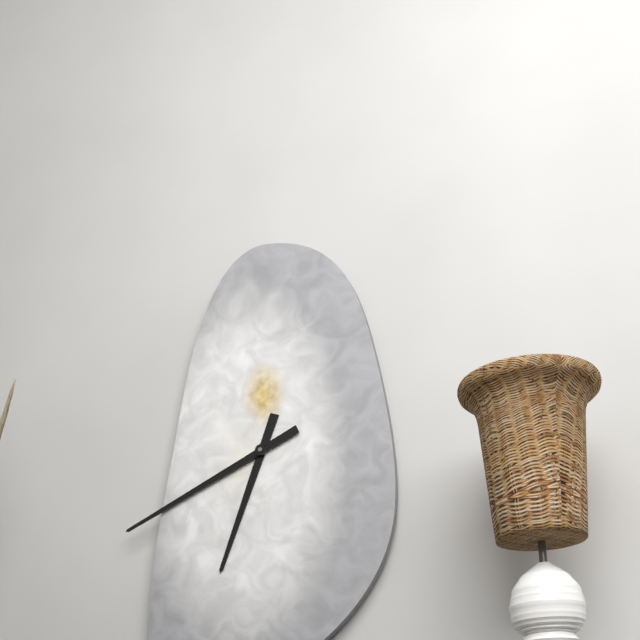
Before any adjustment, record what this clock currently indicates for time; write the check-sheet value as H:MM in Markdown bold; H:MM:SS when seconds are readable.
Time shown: **6:41**
